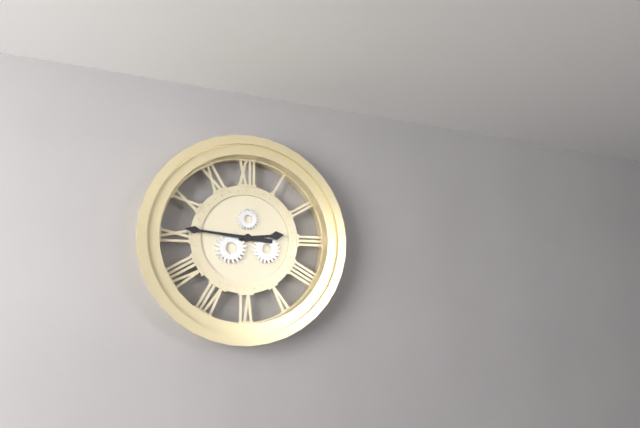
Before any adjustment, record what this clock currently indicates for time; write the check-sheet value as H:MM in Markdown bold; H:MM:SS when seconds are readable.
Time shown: **2:46**
